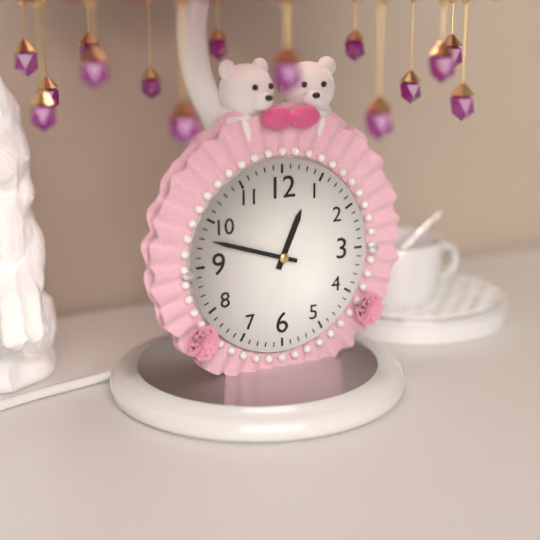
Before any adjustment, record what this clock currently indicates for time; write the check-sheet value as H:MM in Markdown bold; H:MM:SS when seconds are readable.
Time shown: **12:48**
